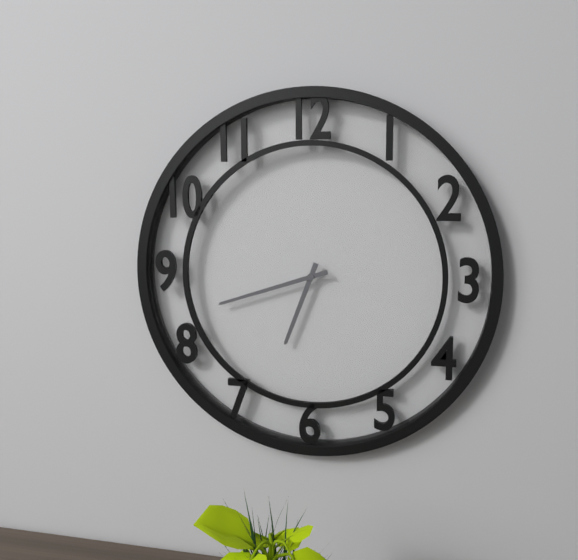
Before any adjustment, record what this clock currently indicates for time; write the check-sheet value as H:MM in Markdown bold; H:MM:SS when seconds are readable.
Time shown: **6:42**
